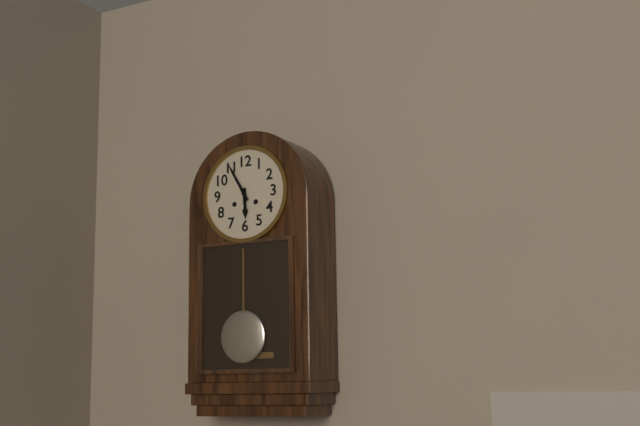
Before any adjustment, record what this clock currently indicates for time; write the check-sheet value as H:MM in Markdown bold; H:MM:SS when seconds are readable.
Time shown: **5:55**
